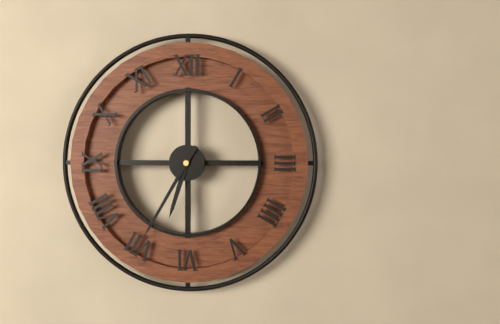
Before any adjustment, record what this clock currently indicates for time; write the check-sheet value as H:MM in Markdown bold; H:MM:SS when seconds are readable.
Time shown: **6:35**
